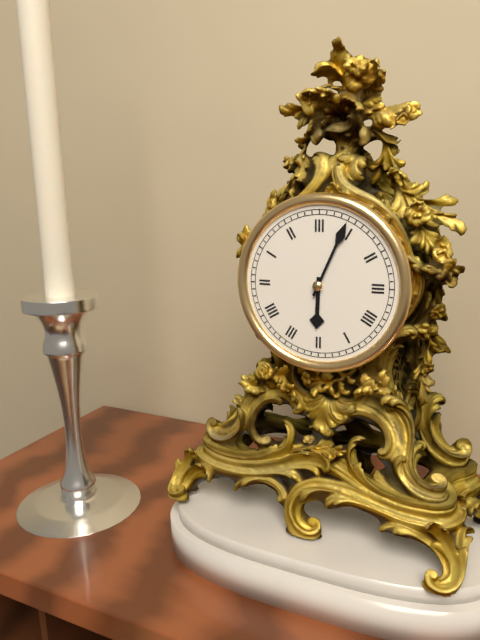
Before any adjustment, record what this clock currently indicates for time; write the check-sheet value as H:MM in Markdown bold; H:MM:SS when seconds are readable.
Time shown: **6:04**
